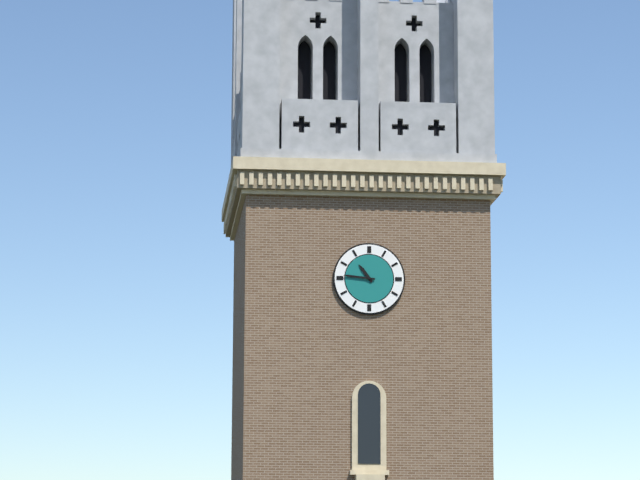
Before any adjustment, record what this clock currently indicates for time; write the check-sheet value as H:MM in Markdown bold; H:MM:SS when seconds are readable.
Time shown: **10:46**
